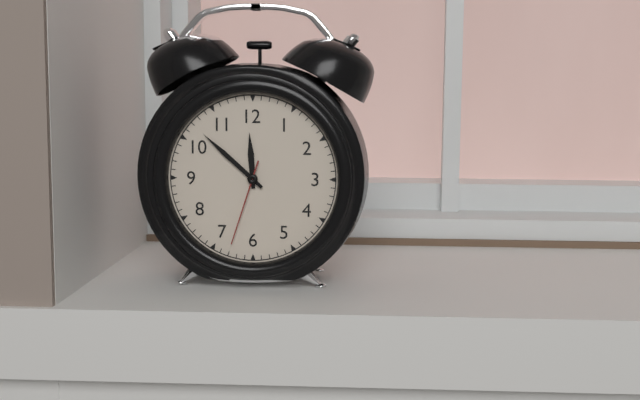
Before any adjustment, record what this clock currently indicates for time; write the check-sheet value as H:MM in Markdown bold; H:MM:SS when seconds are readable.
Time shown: **11:52:33**
